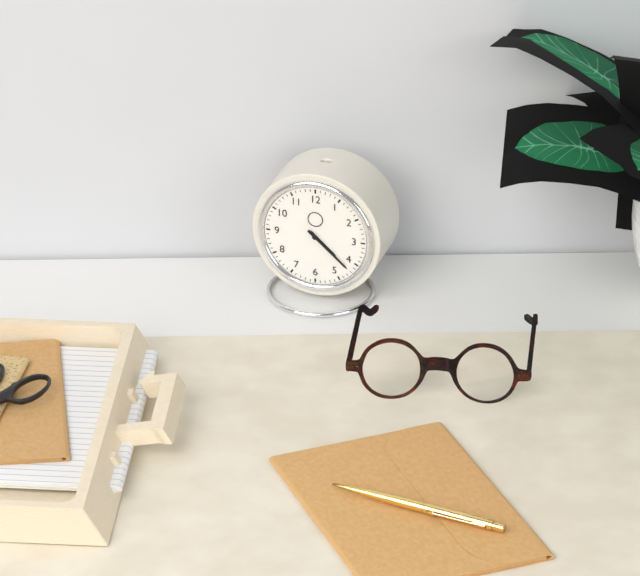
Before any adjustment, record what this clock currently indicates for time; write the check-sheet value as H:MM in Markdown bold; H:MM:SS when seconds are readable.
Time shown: **4:22**
